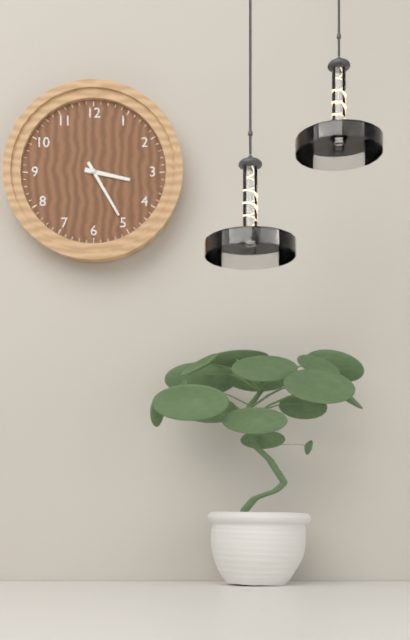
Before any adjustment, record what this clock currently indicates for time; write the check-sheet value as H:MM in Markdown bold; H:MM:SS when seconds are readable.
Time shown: **3:25**
